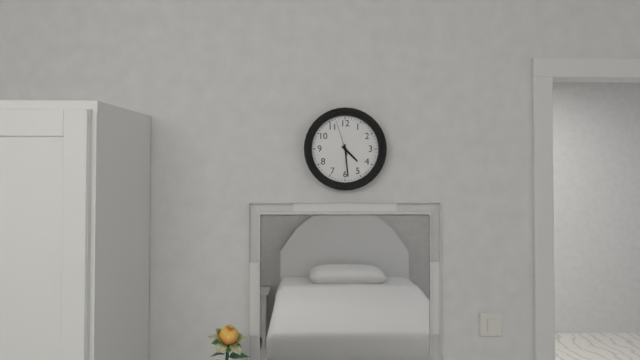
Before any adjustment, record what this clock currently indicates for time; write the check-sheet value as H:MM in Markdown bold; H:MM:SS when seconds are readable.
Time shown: **4:29**
